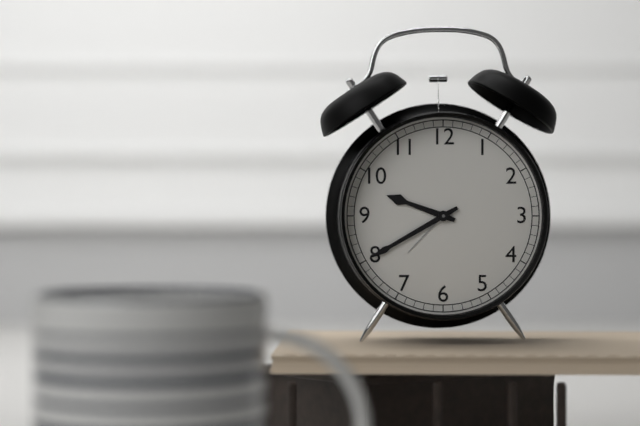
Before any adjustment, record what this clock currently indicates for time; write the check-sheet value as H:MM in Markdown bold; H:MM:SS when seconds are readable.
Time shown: **9:40**
